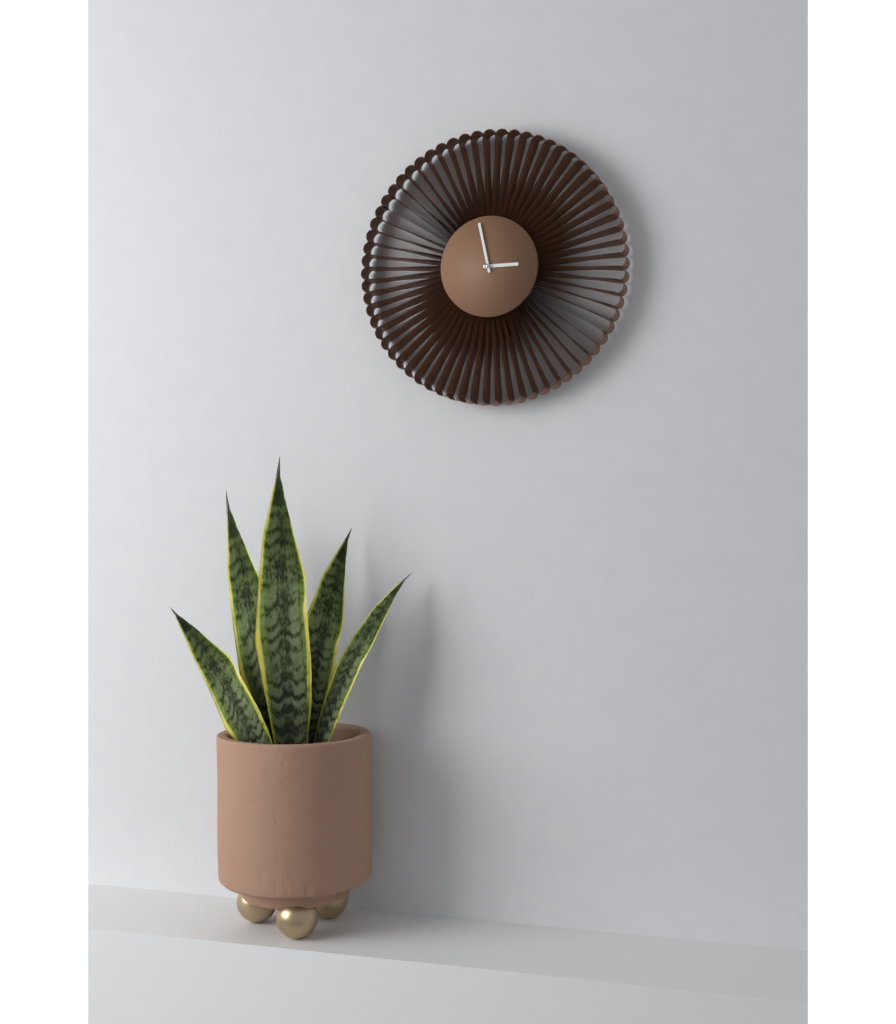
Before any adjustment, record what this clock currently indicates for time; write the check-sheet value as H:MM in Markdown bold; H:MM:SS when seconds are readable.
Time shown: **2:58**
